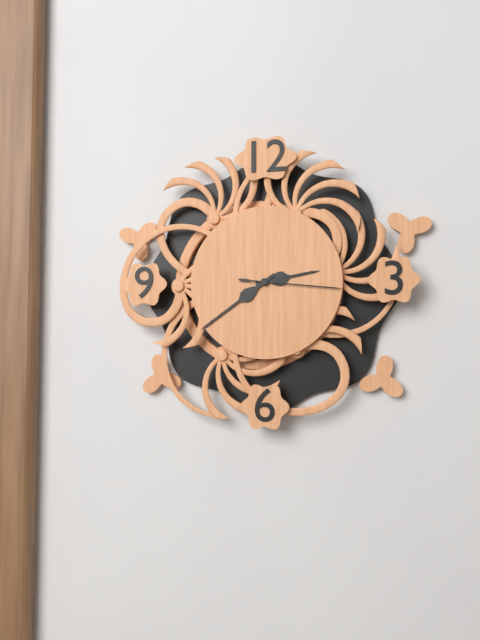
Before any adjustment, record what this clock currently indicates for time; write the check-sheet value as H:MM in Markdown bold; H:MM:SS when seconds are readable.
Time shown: **2:39:16**
